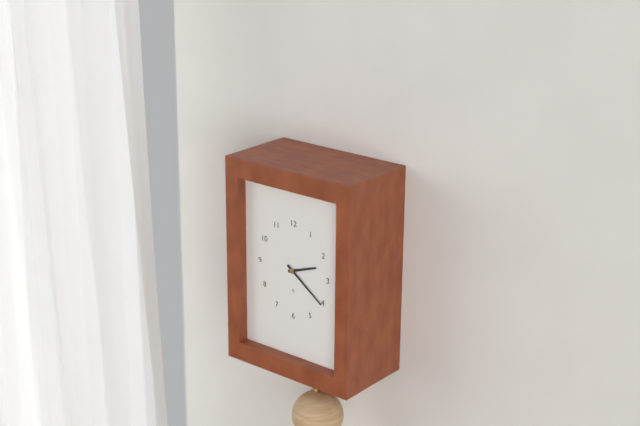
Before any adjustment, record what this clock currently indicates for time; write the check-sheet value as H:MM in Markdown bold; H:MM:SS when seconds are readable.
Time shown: **2:21**
